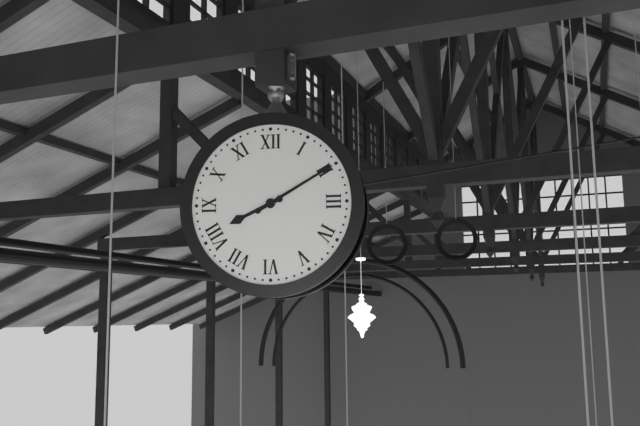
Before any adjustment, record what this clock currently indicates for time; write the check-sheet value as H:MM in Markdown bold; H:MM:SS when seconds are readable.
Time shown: **8:10**
